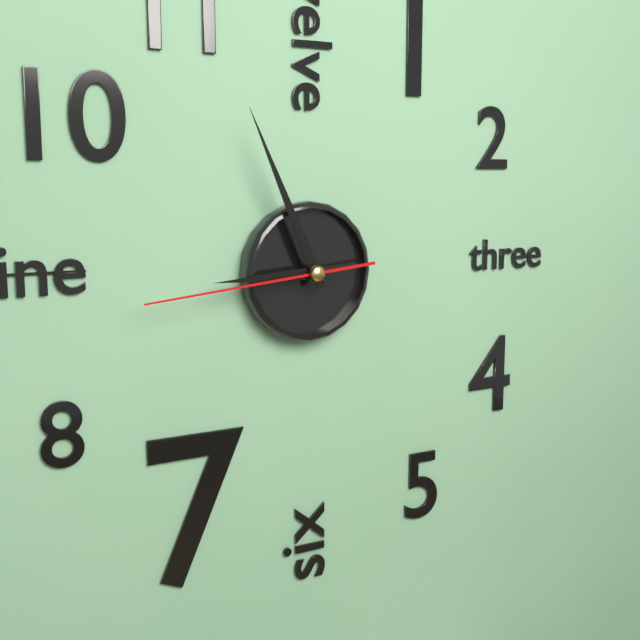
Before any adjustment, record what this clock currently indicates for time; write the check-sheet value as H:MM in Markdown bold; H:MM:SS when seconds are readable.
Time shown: **8:56:44**
